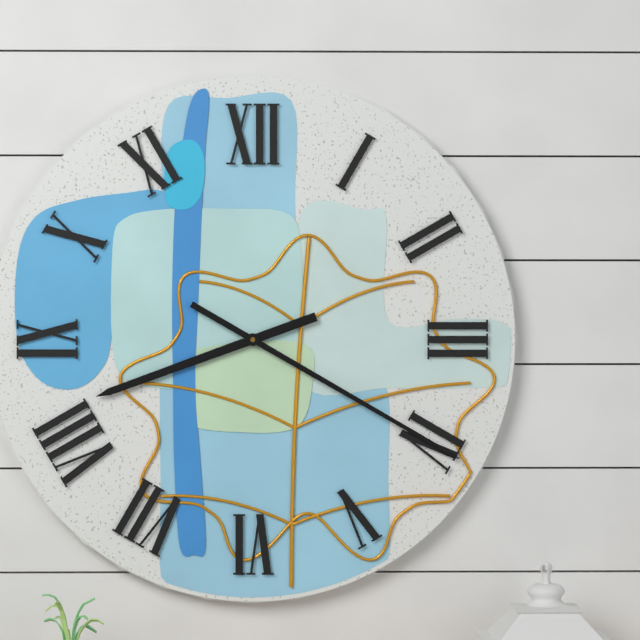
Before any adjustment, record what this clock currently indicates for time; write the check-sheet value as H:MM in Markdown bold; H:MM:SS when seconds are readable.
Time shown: **8:20**
